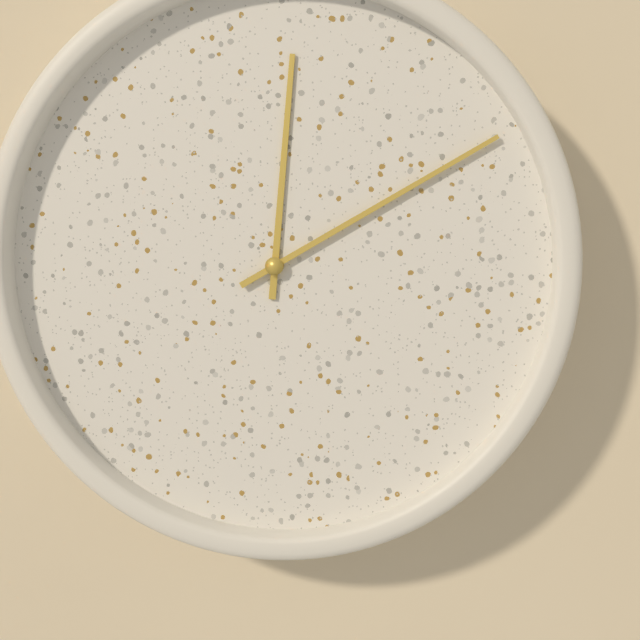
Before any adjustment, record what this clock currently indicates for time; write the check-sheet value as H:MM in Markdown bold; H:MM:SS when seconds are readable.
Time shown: **12:10**
